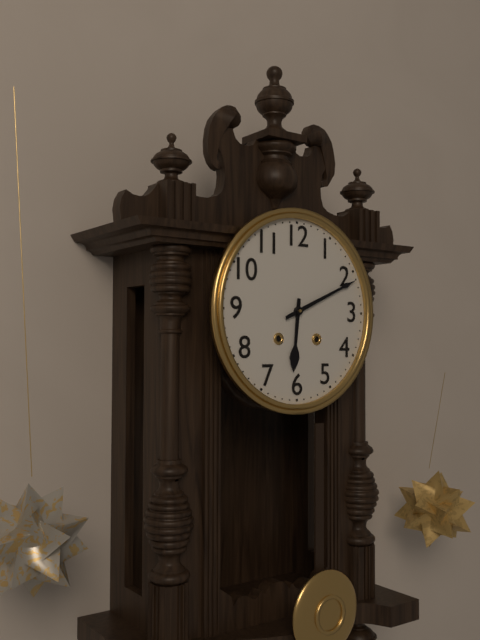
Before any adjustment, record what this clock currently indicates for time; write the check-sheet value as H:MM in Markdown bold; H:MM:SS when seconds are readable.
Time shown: **6:11**
